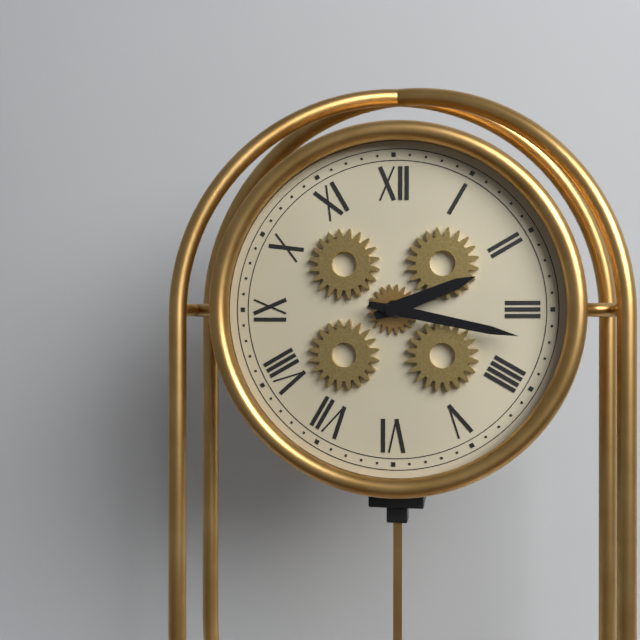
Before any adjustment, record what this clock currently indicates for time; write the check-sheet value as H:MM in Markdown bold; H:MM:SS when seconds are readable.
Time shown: **2:17**
